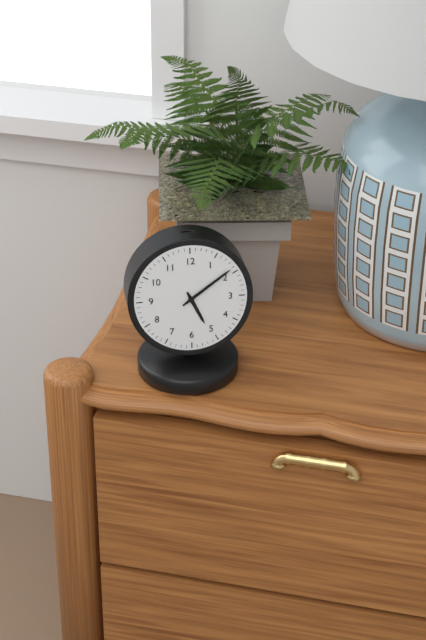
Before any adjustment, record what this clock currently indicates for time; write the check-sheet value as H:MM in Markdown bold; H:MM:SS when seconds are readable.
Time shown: **5:09**
